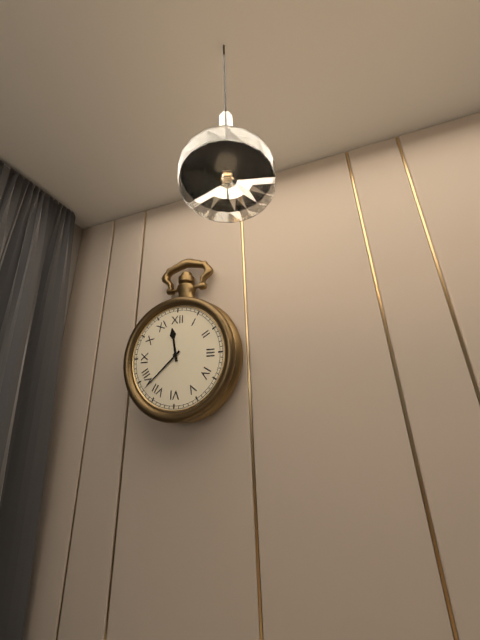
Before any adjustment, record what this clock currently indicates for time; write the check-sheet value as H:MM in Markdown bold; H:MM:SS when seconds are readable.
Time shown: **11:38**
